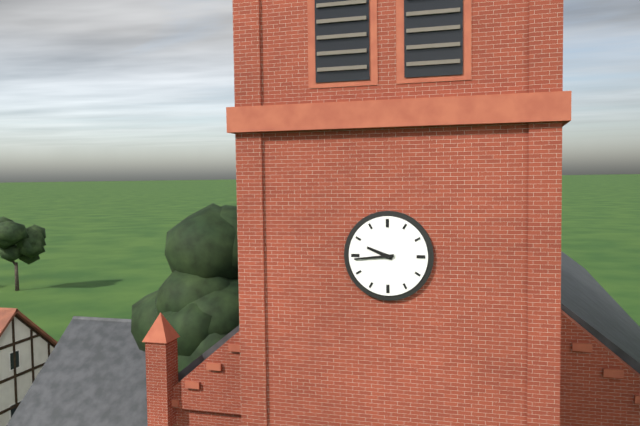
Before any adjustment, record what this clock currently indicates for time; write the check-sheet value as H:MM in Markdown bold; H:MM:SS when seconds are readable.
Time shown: **9:44**
